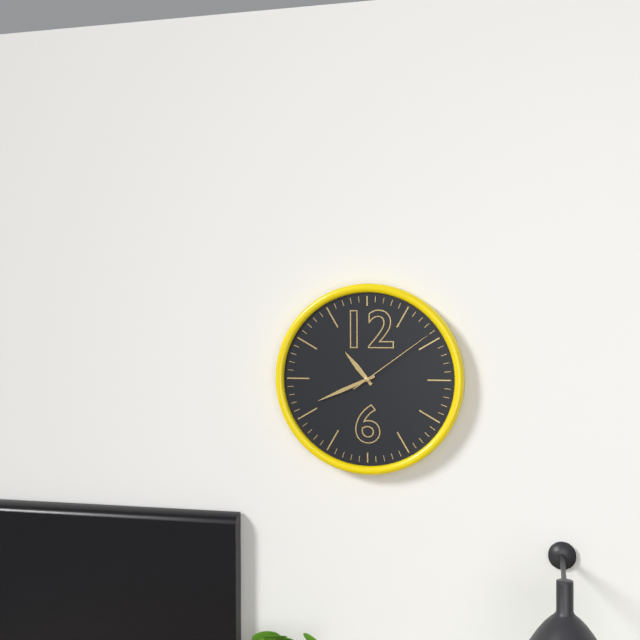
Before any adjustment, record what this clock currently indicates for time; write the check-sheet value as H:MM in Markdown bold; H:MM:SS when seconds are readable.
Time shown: **10:41:09**
